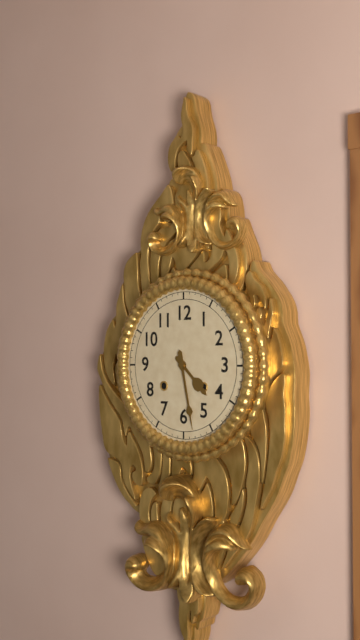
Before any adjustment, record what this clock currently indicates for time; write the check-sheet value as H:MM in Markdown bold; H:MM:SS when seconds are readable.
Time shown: **4:28**
